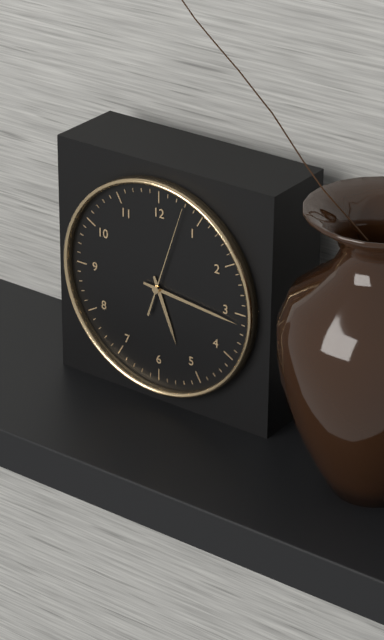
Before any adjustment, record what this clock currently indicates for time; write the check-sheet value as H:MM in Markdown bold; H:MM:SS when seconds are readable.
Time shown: **5:16:03**
